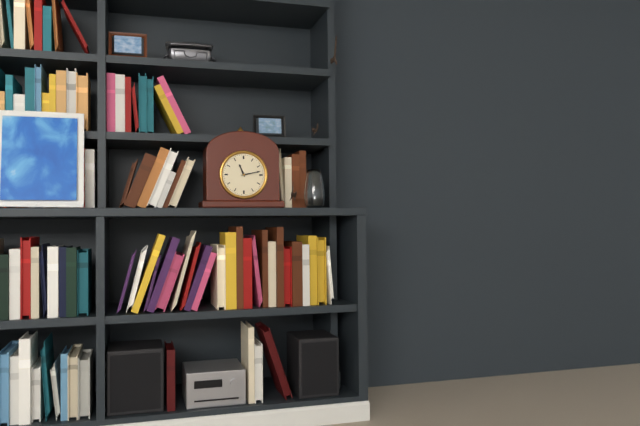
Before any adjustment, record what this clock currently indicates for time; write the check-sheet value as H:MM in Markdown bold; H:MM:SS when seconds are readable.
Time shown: **11:13**
